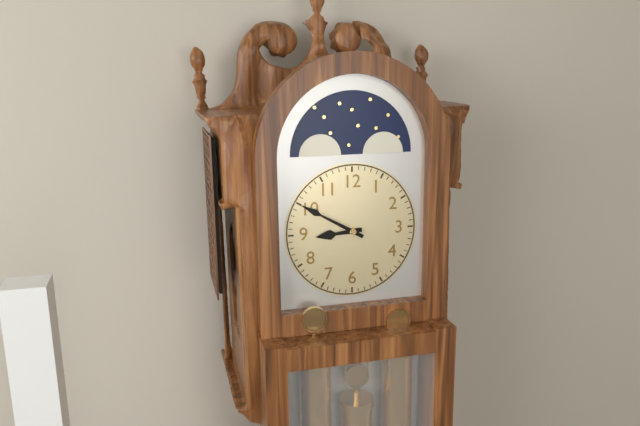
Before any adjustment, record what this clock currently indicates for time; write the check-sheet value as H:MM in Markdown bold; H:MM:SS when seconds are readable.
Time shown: **8:50**
